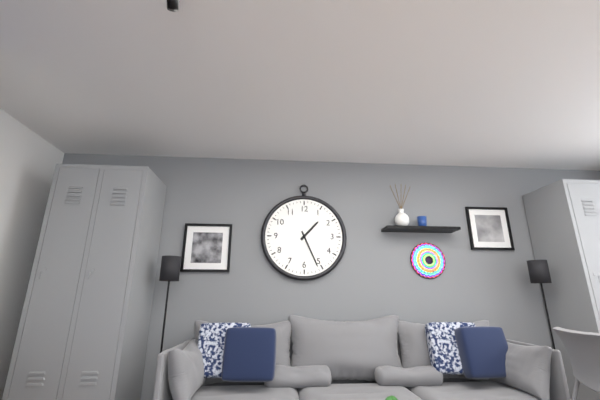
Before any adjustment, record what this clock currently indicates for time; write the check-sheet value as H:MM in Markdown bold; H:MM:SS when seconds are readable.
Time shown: **1:26**
